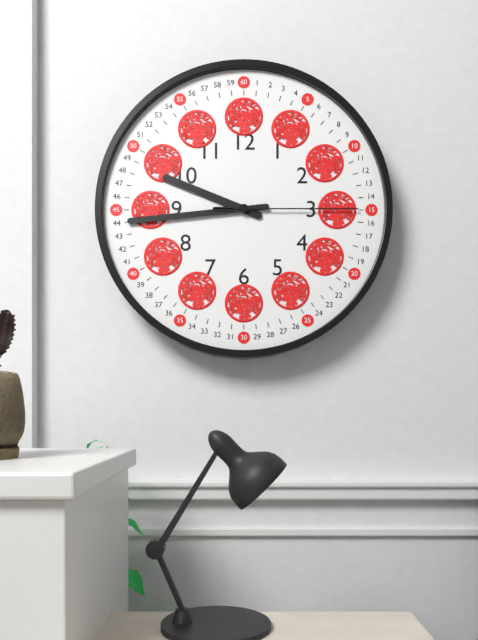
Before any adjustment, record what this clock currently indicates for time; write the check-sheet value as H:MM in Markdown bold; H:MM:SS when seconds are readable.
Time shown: **9:44:15**
